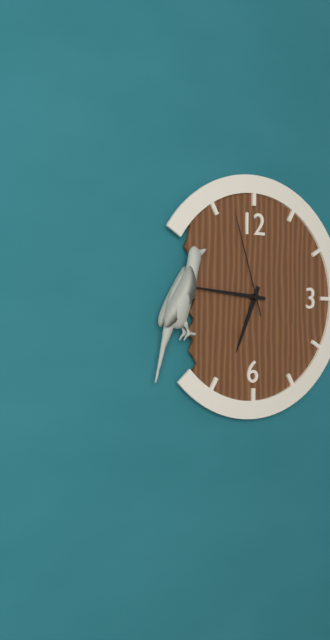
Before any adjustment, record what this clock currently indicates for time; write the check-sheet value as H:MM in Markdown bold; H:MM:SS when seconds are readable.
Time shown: **6:46:57**
